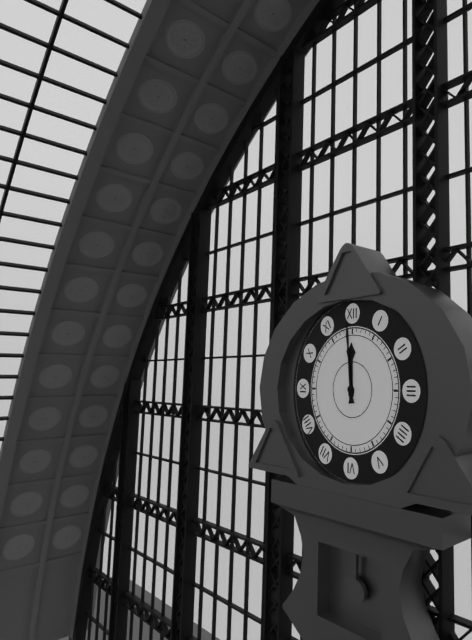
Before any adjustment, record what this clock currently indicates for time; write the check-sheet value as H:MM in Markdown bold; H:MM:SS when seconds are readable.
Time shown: **11:59**
